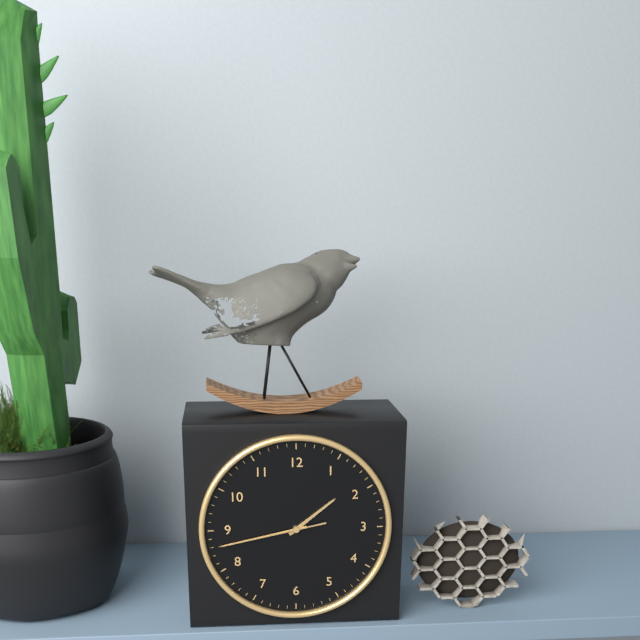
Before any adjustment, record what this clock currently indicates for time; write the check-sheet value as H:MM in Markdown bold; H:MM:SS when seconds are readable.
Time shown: **1:43:43**
